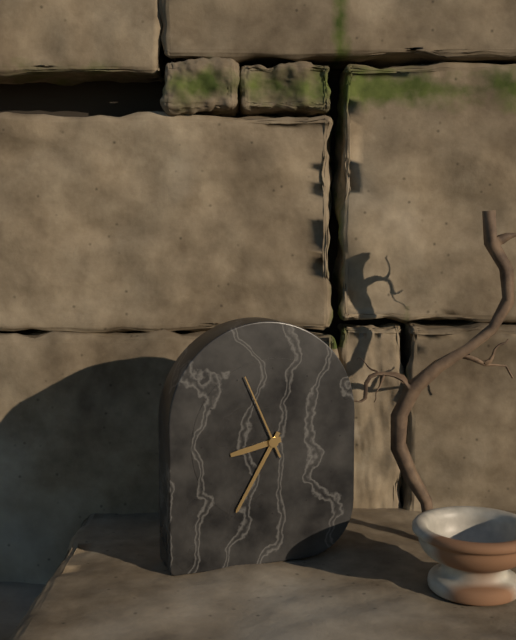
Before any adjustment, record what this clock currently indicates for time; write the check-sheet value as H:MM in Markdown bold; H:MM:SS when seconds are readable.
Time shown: **8:35:56**
